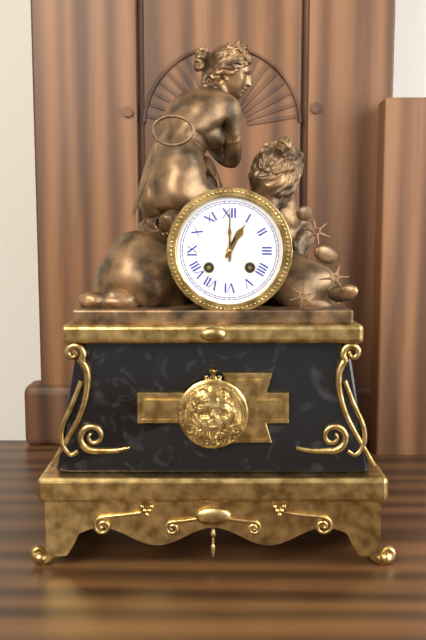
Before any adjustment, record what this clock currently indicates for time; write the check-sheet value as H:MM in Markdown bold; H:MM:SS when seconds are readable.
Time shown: **1:00**
